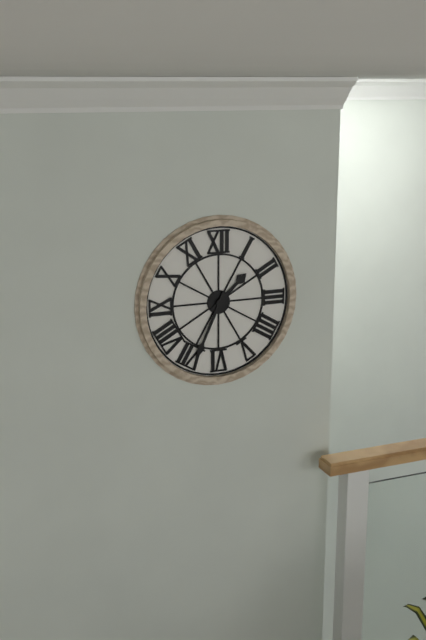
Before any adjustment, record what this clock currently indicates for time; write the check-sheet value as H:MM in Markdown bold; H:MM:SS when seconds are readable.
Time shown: **1:34**
